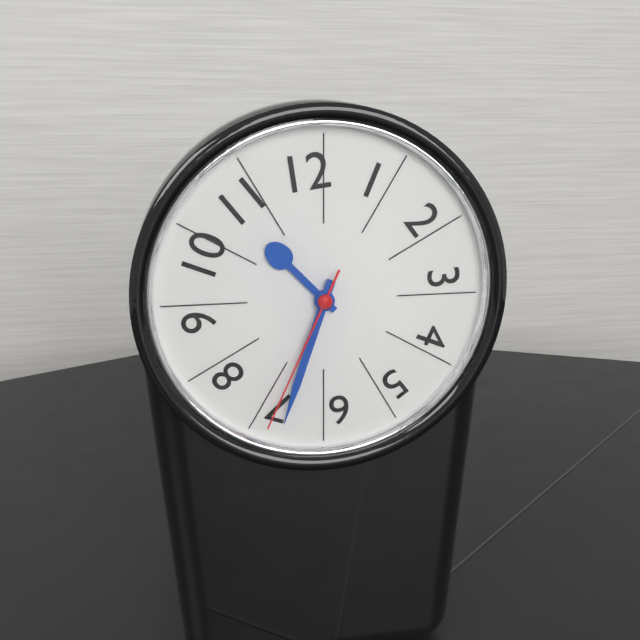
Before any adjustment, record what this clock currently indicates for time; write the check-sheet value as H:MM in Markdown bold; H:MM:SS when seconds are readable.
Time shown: **10:33:34**
